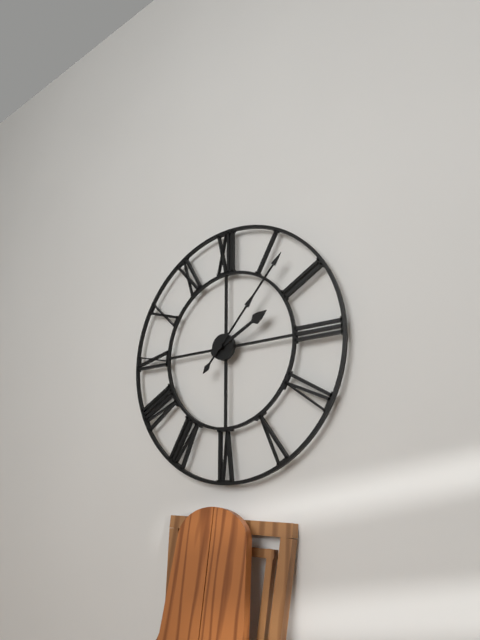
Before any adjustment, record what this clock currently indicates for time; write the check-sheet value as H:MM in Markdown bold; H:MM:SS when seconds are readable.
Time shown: **2:07**
